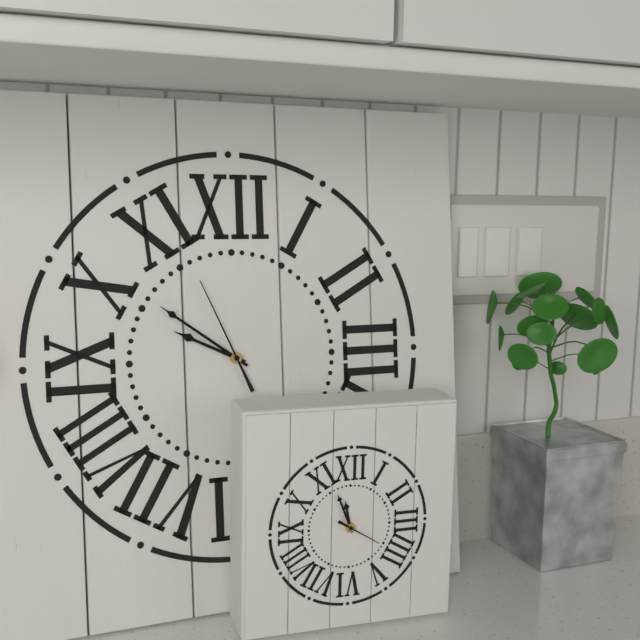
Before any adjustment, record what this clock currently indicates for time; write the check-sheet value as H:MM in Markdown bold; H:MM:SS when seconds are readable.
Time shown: **9:51:56**
